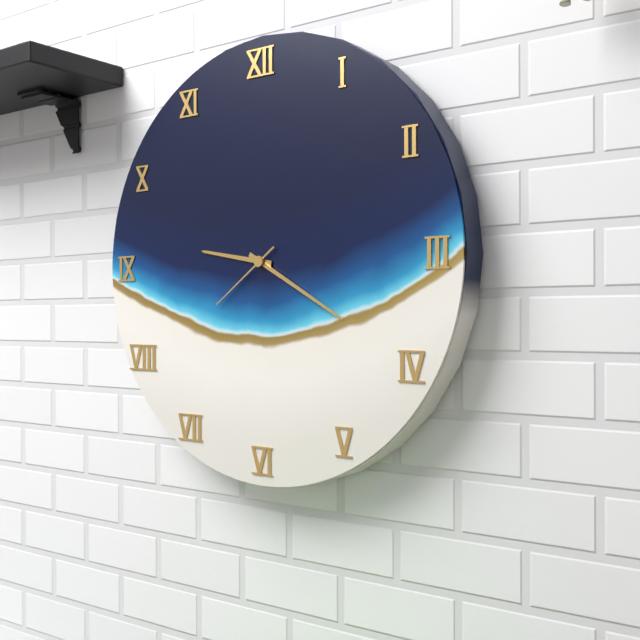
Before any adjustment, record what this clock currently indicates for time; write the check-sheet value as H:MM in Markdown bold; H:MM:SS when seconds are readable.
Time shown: **9:20:39**
